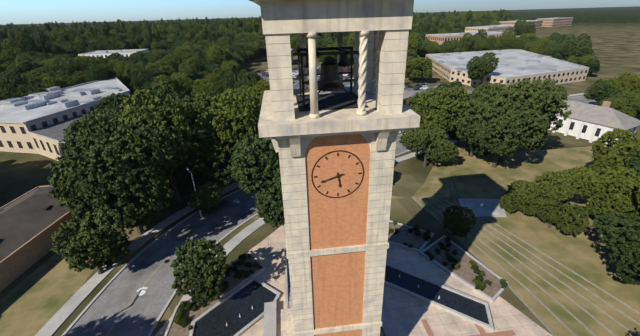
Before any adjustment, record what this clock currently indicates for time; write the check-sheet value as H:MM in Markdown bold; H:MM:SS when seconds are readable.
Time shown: **5:42**
